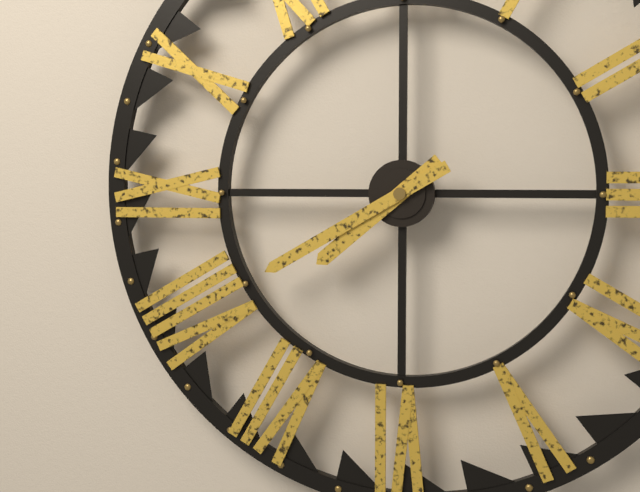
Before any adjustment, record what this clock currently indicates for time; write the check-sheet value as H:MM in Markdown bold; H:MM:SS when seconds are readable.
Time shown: **7:40**
